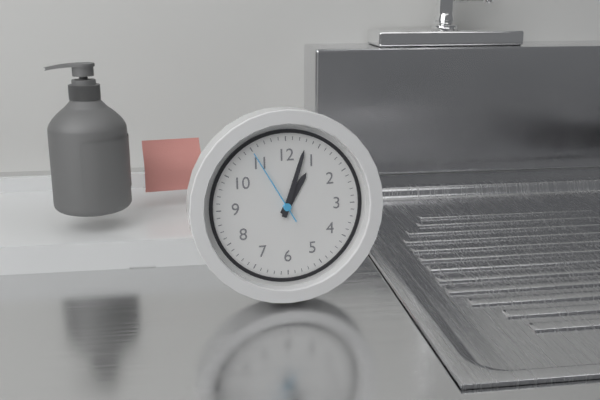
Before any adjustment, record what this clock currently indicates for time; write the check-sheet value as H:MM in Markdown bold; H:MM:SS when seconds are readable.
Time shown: **1:03:55**
